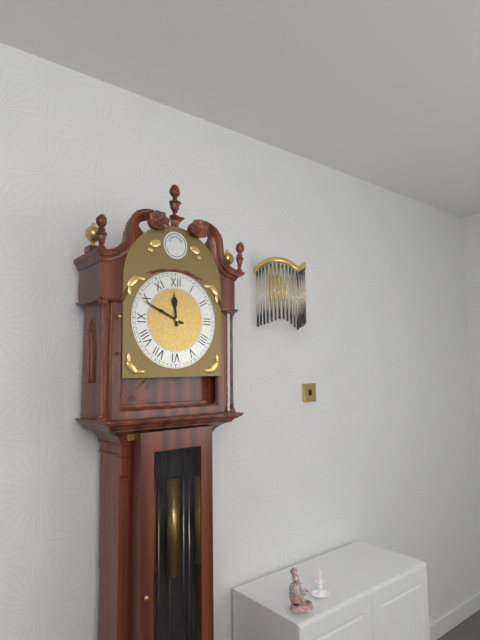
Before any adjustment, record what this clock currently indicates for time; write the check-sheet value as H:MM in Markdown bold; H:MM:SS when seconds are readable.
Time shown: **11:49**
